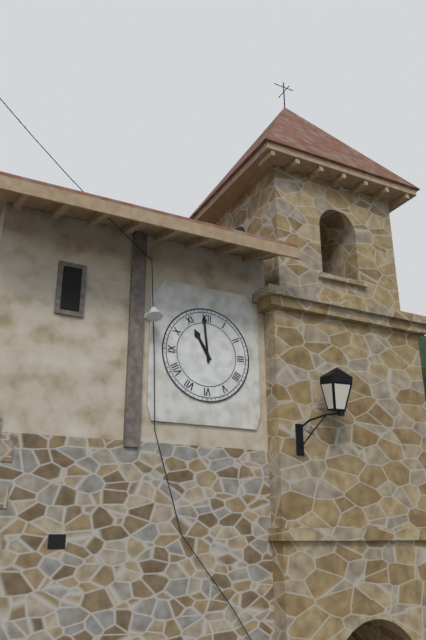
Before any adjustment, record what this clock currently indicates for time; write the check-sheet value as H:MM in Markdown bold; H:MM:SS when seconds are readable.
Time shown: **10:59**
